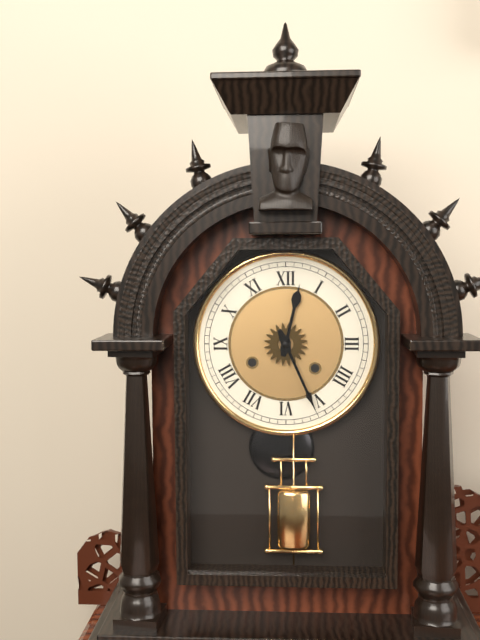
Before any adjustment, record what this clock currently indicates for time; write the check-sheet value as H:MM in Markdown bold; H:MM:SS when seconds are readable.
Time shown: **12:26**
